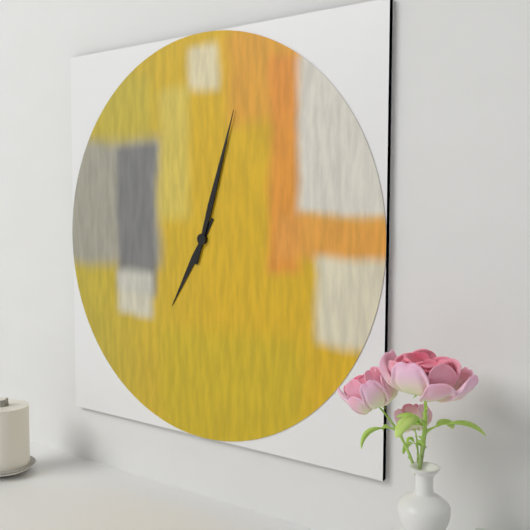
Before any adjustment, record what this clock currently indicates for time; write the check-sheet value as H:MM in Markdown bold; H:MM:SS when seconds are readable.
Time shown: **7:03**
